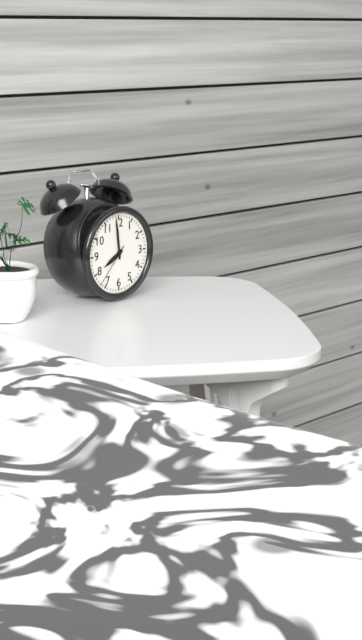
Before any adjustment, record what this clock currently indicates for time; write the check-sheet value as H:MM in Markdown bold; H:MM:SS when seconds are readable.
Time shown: **7:59**
